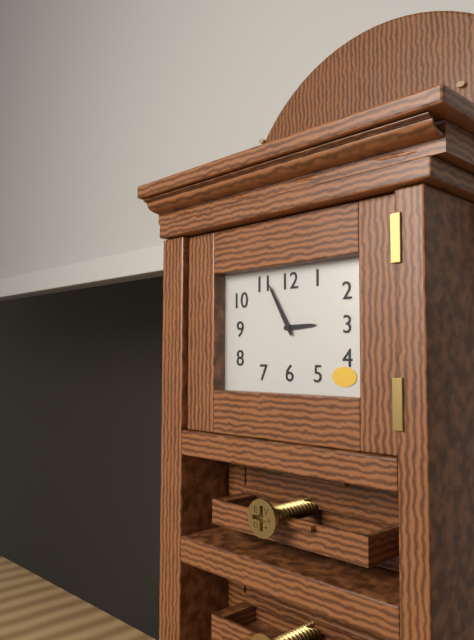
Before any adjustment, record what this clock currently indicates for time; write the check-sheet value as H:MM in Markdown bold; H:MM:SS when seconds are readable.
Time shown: **2:55**
